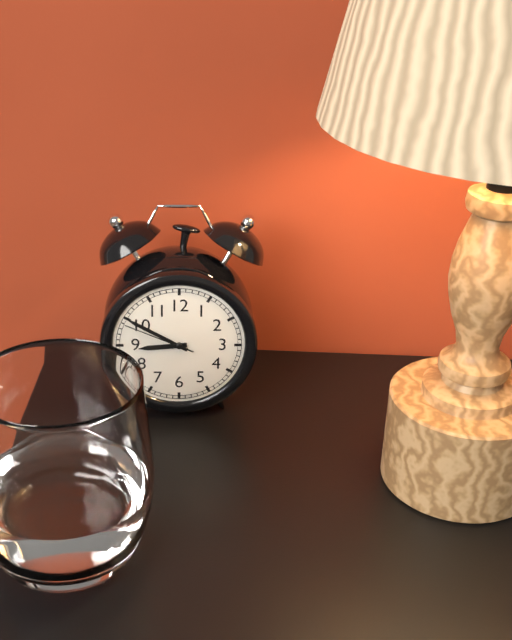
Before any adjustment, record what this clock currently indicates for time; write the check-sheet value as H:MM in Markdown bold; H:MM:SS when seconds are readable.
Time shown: **8:50:49**
